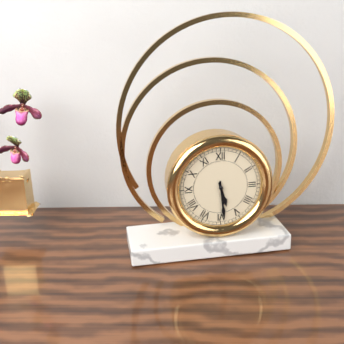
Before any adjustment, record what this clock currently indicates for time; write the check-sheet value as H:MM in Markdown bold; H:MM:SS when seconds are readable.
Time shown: **5:29**
